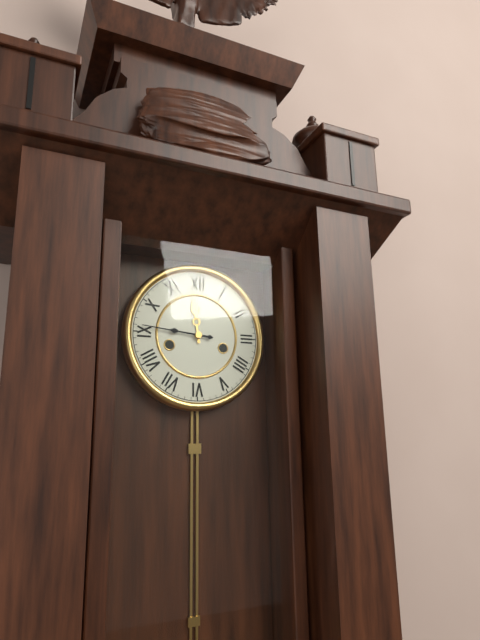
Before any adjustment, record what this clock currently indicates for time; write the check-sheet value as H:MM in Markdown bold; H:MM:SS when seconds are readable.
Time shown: **11:46**
